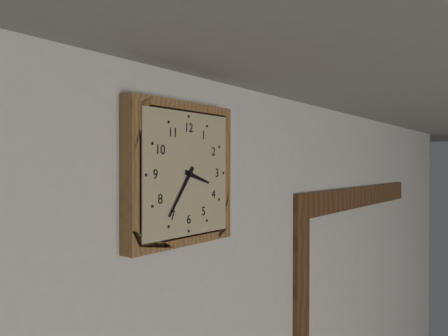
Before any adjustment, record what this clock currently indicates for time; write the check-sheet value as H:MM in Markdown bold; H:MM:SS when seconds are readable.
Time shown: **3:36**
